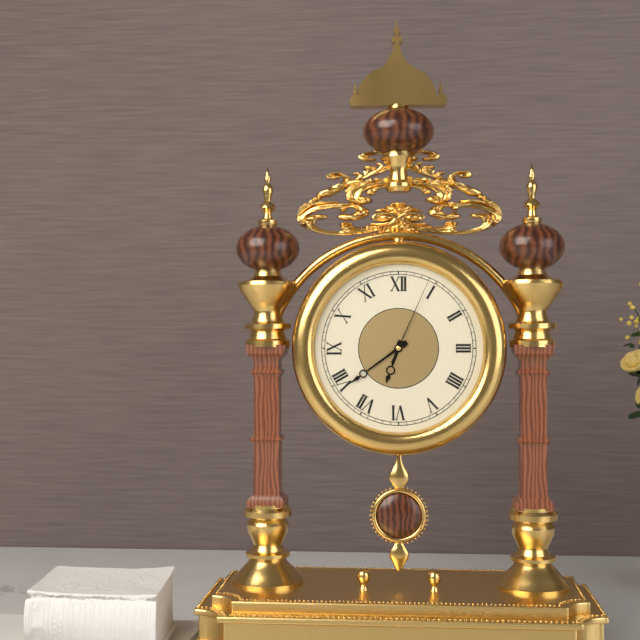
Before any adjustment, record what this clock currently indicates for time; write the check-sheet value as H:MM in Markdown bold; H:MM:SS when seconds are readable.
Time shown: **6:39:04**
